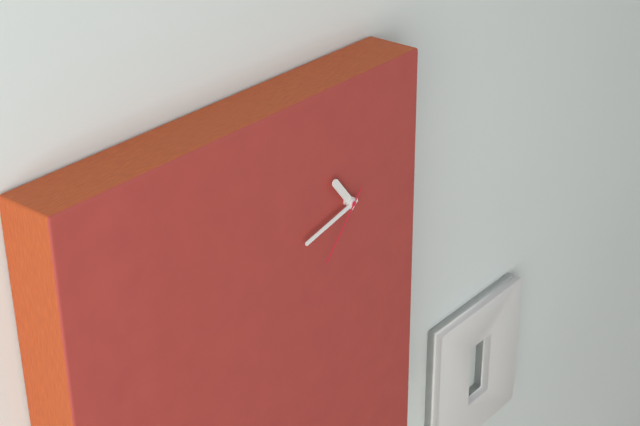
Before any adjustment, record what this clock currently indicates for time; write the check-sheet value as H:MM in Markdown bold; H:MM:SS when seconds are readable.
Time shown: **10:43:37**
